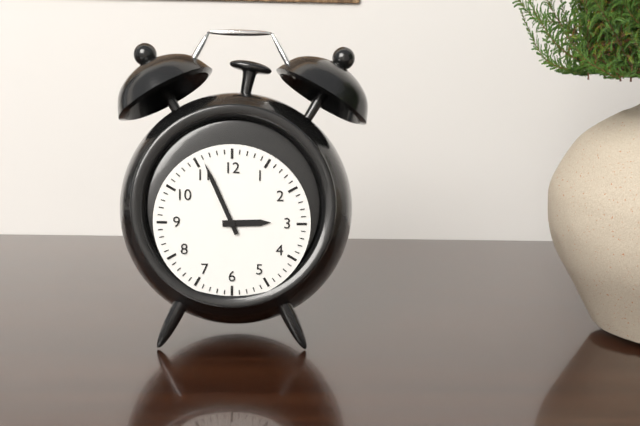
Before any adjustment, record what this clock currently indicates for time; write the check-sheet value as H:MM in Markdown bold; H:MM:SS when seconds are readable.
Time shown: **2:56**
